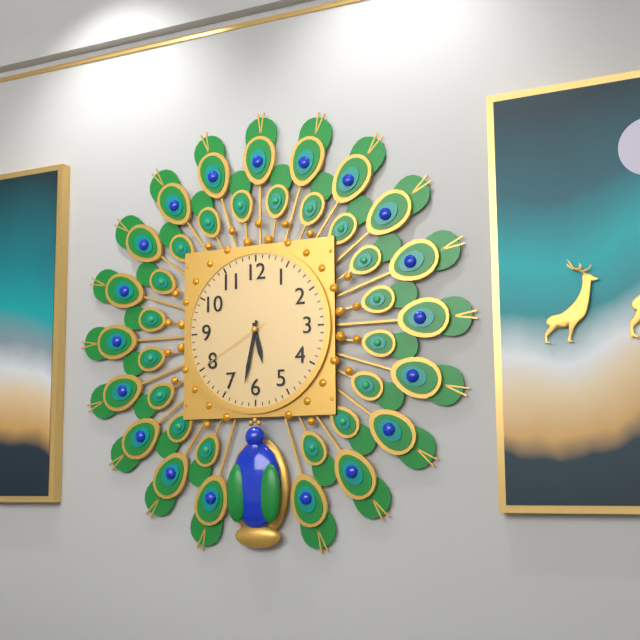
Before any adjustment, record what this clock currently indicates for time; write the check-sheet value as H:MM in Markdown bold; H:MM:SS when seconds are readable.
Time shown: **5:32:40**
